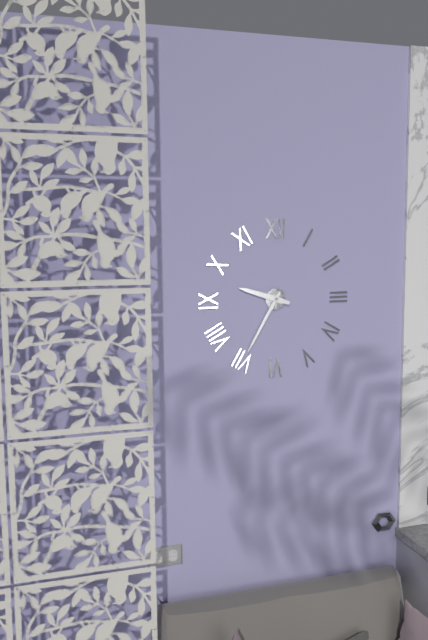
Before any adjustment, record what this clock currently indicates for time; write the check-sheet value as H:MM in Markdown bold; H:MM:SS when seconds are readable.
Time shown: **9:35**
